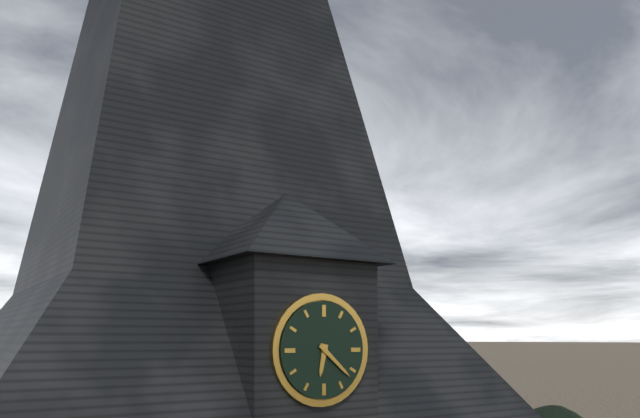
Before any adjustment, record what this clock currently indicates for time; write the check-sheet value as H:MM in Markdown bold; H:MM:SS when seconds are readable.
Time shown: **6:22**
